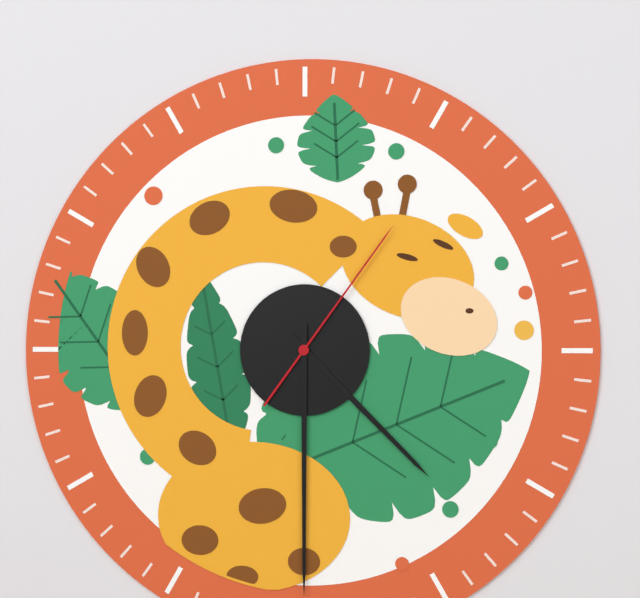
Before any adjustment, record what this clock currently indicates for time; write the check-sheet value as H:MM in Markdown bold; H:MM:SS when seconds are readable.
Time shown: **4:30:06**
